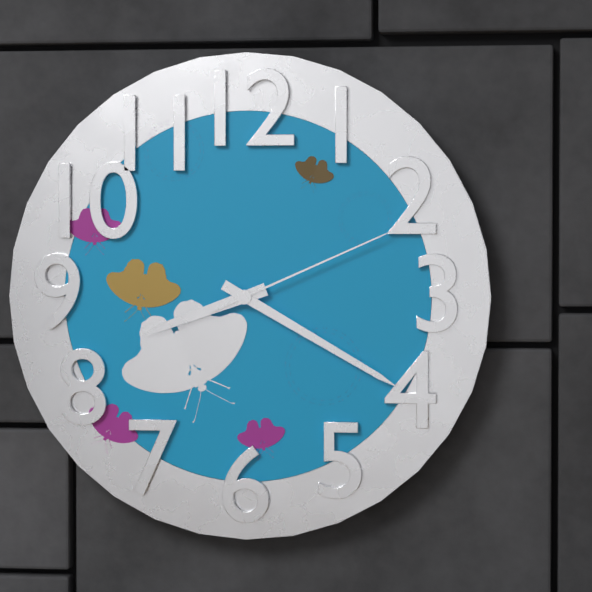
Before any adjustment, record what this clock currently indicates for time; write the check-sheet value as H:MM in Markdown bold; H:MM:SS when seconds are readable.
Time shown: **8:20:11**
